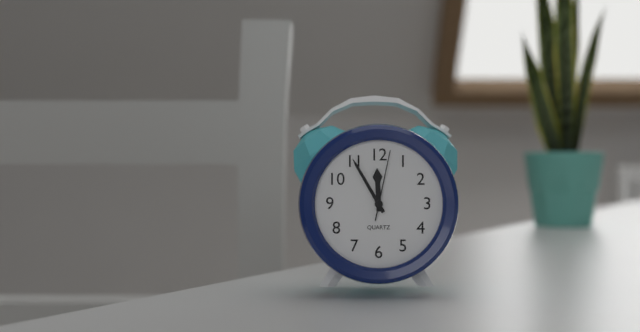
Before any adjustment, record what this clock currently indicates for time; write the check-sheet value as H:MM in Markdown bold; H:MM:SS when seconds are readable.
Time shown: **11:55:02**
